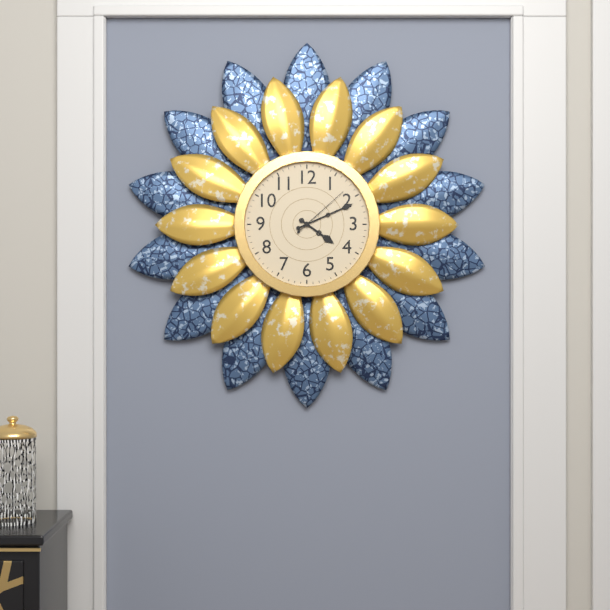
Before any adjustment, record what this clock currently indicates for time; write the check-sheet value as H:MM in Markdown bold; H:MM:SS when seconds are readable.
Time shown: **4:11:08**
